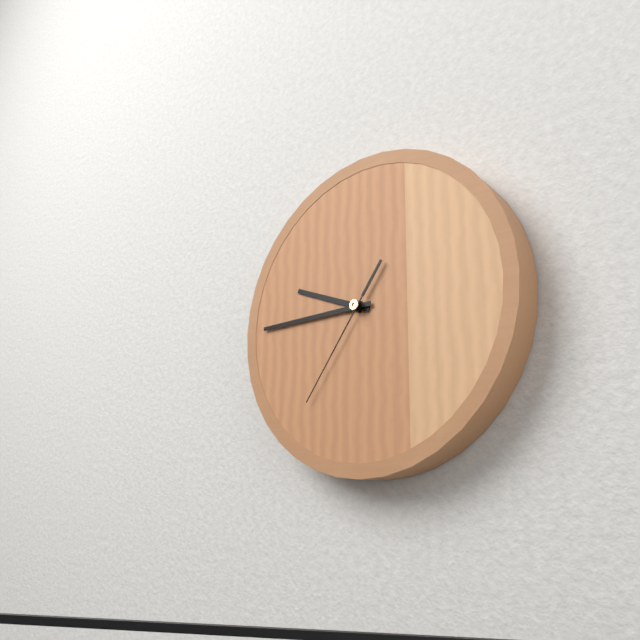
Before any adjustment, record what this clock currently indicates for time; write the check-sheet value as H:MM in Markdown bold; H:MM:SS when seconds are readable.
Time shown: **9:45:36**
